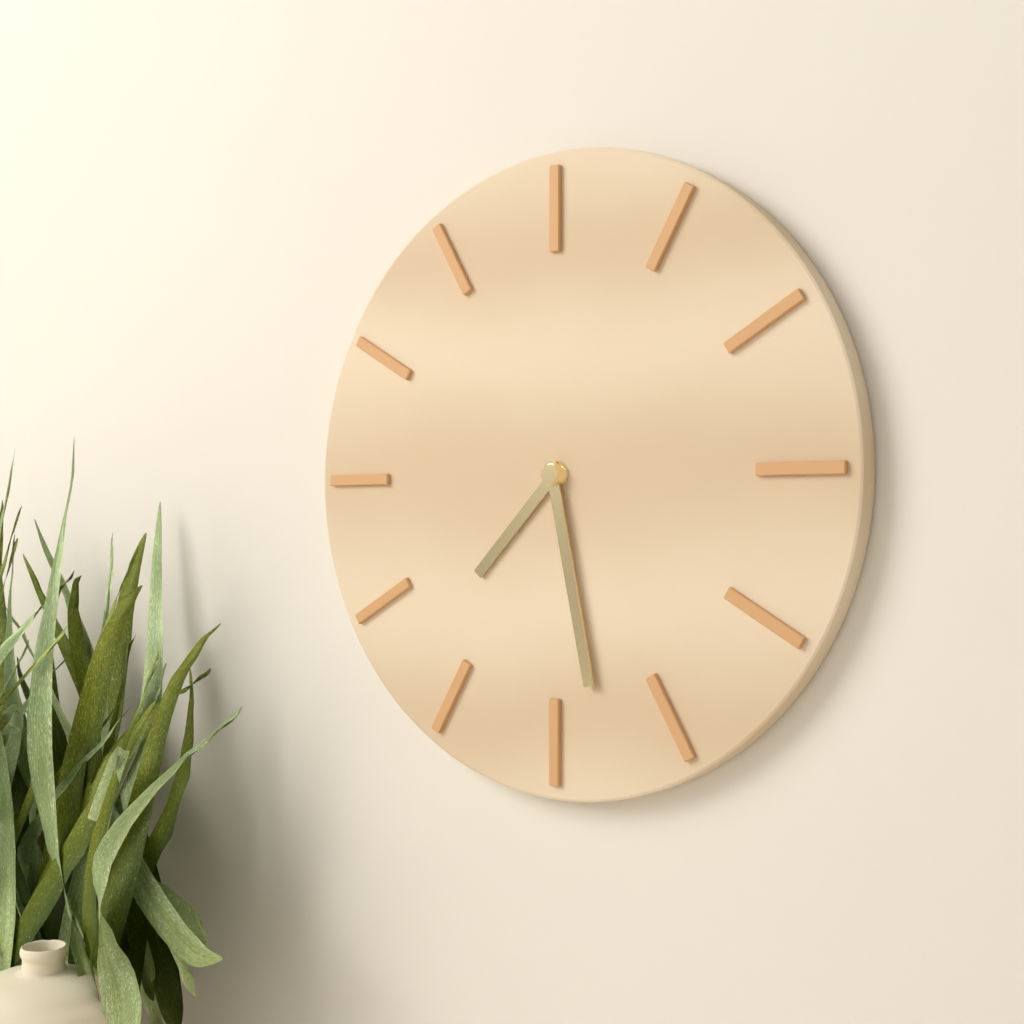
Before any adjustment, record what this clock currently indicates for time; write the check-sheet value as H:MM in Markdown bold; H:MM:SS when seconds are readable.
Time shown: **7:28**
